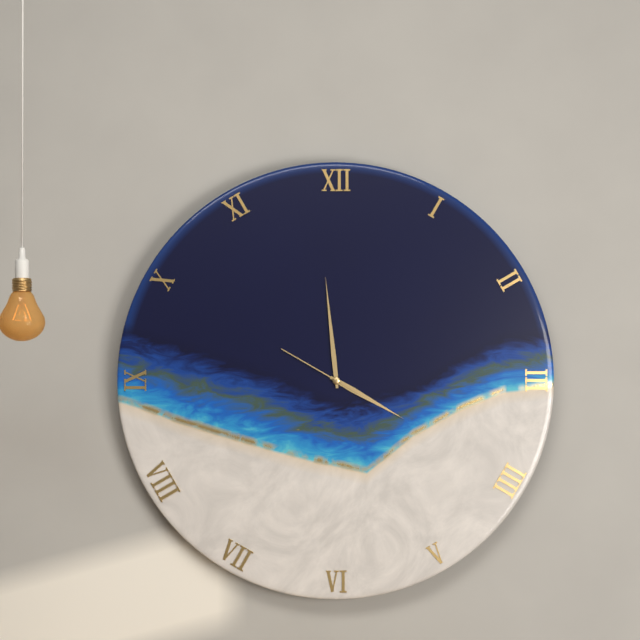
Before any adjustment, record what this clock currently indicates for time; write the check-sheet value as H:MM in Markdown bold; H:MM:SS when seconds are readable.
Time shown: **3:59:50**
